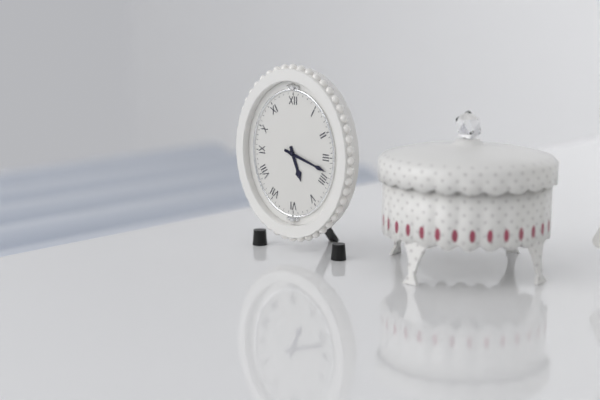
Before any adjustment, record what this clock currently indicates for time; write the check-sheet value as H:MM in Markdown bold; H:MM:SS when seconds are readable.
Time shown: **5:18**
